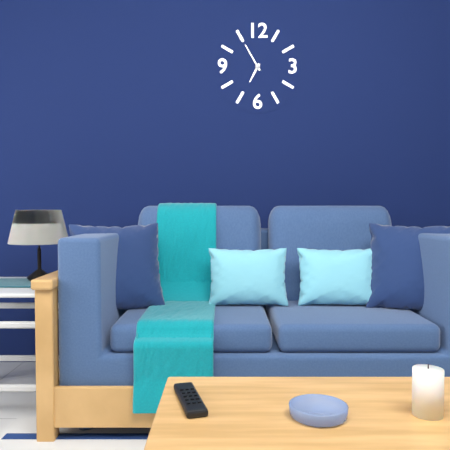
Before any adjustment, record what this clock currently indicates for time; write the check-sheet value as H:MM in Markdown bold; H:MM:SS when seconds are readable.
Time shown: **6:55**
